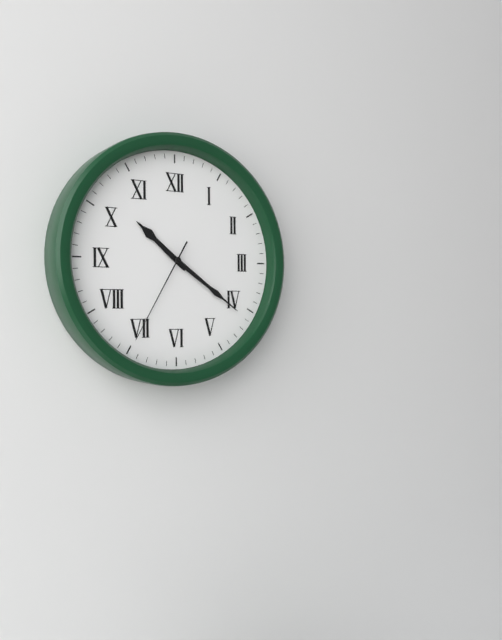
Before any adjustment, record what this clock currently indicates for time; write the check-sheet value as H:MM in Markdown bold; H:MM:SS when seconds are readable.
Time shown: **10:21:35**
